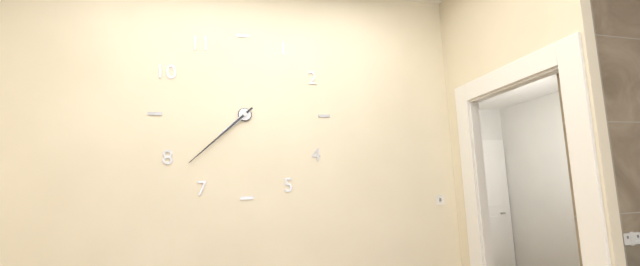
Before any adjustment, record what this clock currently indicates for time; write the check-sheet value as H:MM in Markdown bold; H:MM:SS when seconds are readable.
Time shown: **7:38**
